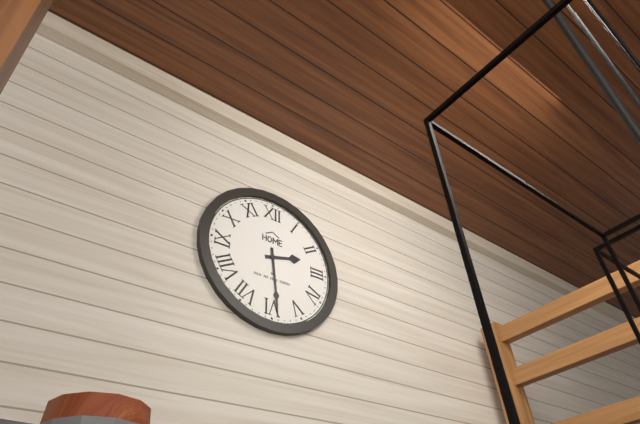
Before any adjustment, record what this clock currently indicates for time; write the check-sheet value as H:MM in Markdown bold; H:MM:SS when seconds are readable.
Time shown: **2:29**
